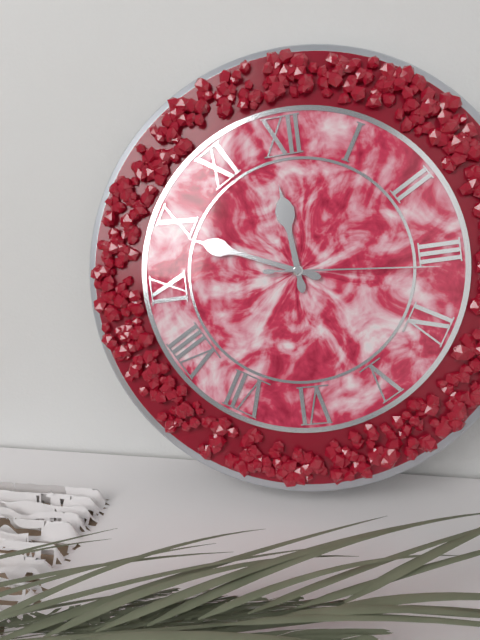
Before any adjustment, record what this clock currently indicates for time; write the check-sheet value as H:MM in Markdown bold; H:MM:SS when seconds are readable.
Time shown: **11:49:16**
